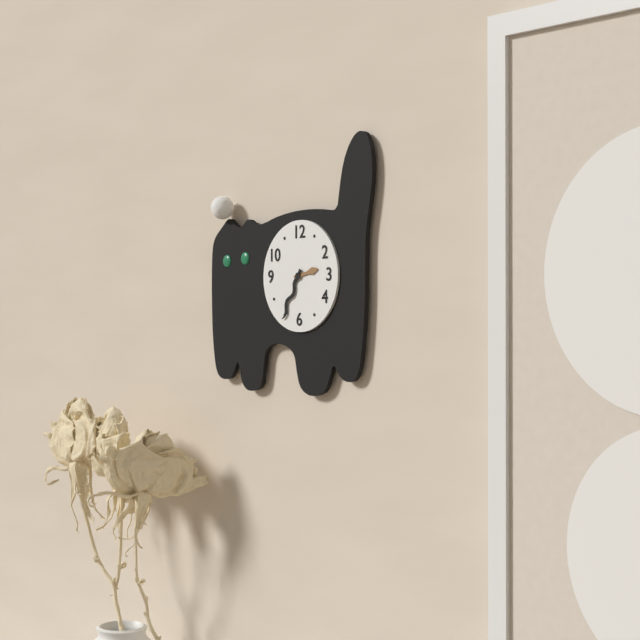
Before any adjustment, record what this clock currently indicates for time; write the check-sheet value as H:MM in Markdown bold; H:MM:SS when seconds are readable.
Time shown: **2:35**
